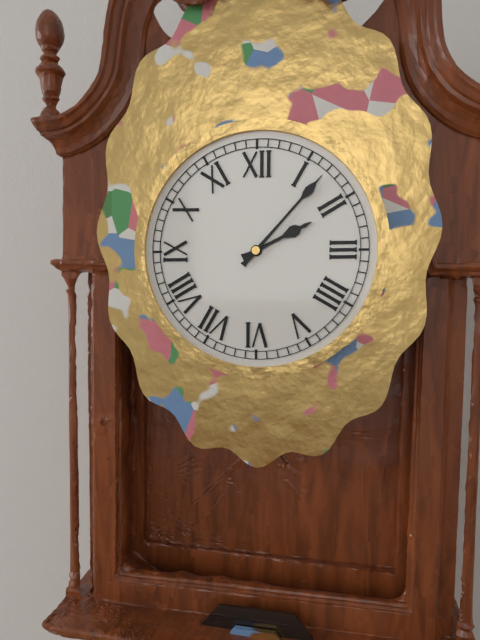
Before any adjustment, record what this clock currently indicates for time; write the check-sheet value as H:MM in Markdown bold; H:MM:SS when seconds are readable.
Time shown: **2:07**
